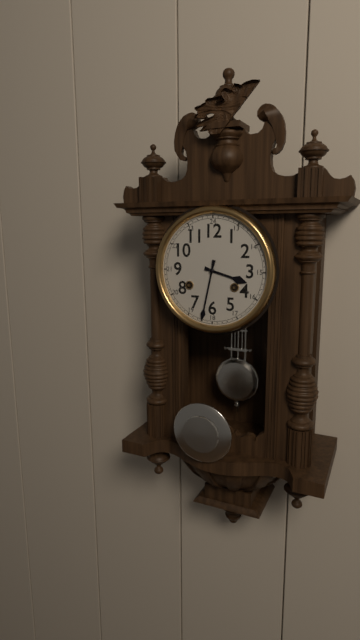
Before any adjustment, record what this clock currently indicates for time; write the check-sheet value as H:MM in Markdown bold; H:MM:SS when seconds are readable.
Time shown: **3:32**
